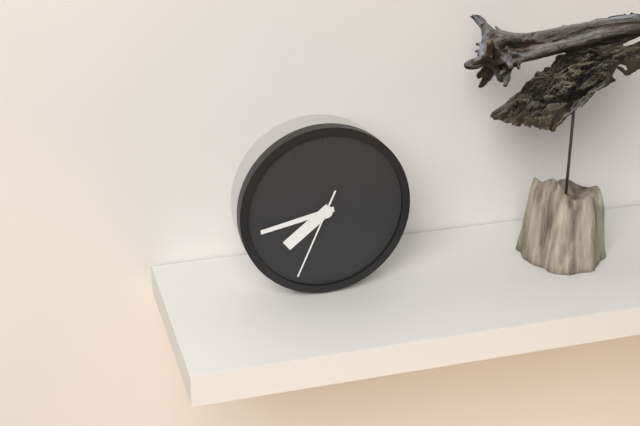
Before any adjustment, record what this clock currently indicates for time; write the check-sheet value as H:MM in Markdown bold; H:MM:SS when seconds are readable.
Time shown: **7:43:34**
